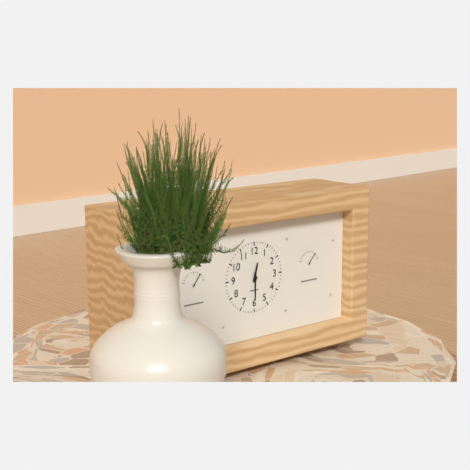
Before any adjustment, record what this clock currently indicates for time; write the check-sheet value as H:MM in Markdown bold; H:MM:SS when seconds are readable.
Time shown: **12:30**
